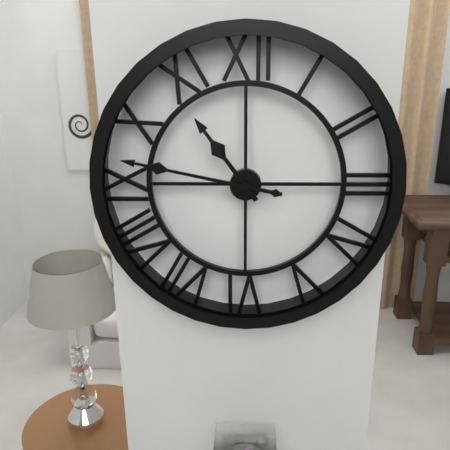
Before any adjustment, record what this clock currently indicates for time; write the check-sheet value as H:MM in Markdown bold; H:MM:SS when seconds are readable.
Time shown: **10:47**
